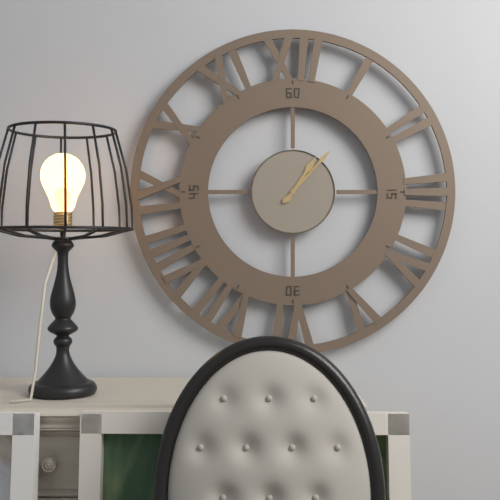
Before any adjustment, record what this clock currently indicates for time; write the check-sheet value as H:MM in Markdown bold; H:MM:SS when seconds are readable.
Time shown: **1:07**
